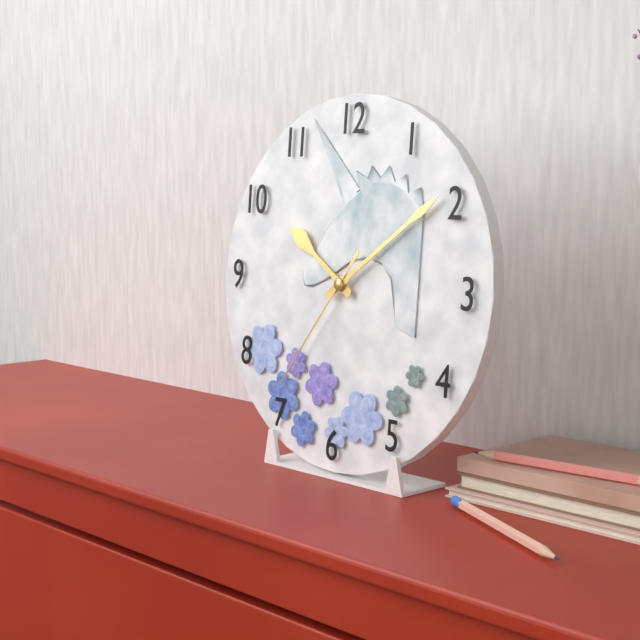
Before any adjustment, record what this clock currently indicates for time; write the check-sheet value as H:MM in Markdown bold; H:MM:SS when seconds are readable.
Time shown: **10:09:36**
